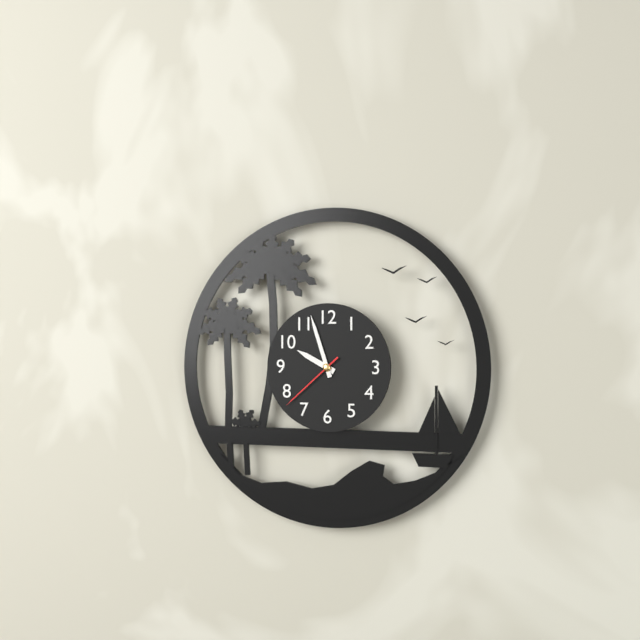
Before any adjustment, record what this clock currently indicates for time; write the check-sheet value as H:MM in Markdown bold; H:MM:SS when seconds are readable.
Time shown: **9:57:38**
